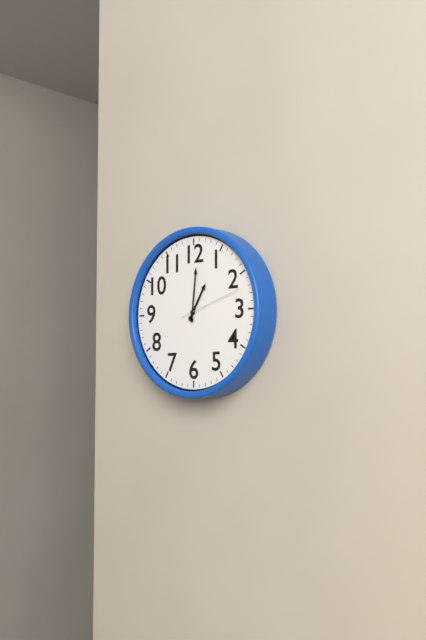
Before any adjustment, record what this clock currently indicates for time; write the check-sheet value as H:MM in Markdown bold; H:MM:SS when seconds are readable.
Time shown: **1:01:12**
